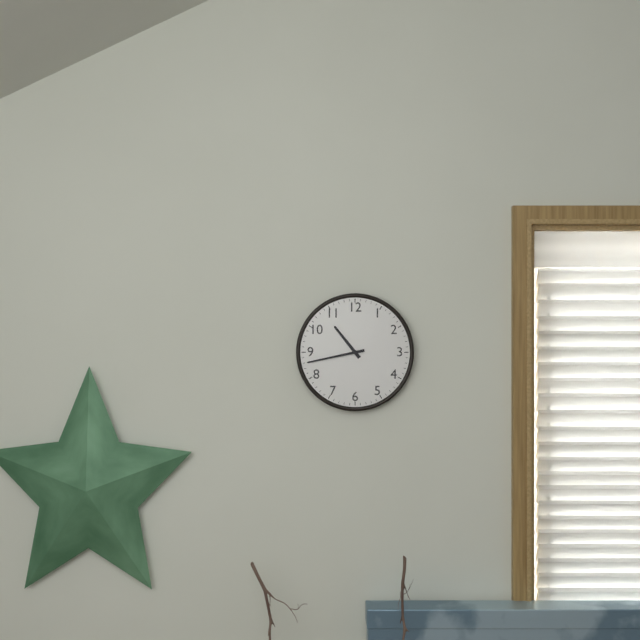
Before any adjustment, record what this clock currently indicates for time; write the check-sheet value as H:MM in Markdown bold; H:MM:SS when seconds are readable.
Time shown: **10:43**
